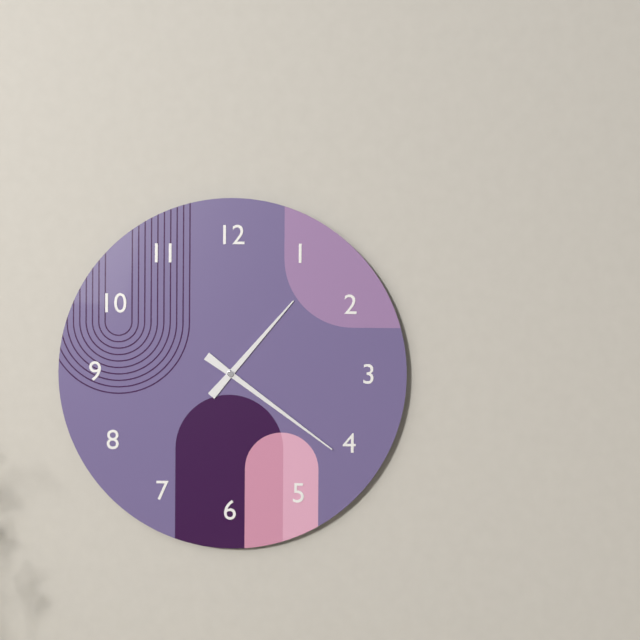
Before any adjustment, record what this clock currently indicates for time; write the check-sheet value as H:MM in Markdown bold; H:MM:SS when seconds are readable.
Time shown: **1:21**
